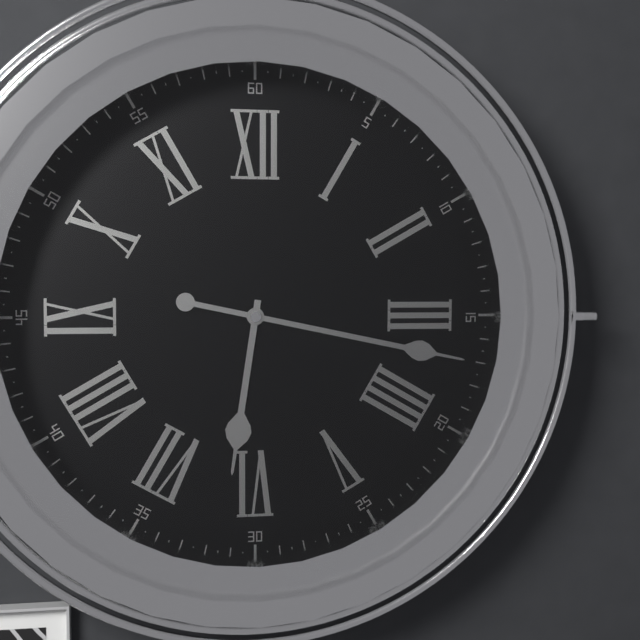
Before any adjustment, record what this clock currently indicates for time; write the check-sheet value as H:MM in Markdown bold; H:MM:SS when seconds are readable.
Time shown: **6:17**
